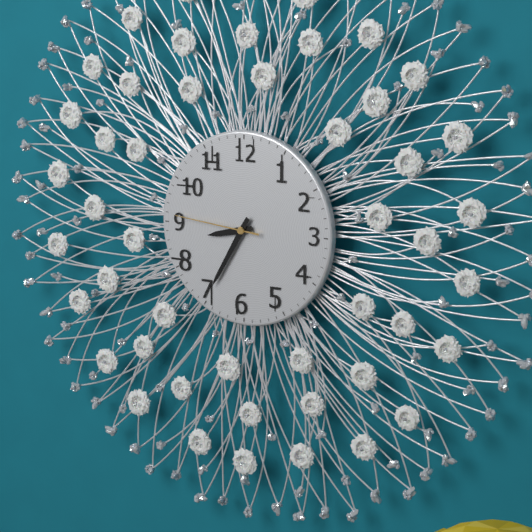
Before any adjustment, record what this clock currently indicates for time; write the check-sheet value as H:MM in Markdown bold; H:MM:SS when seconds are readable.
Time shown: **8:35:46**
